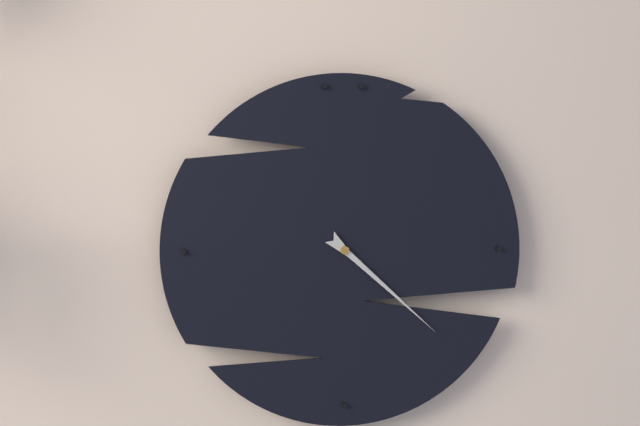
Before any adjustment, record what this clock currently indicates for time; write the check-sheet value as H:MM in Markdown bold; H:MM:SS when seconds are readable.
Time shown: **4:22**
